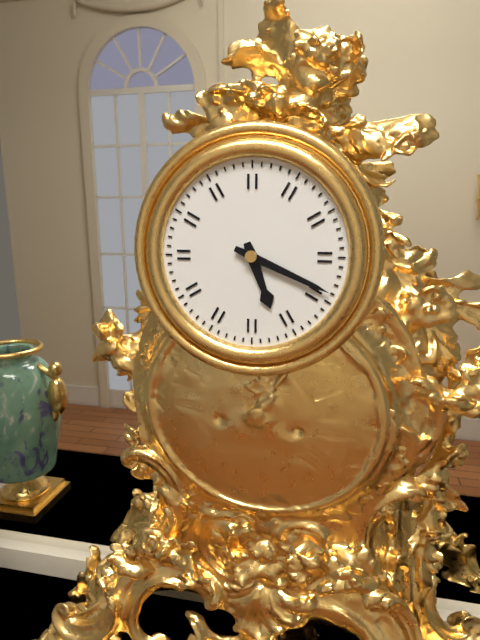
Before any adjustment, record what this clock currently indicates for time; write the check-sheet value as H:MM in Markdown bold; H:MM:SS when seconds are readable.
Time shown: **5:19**
